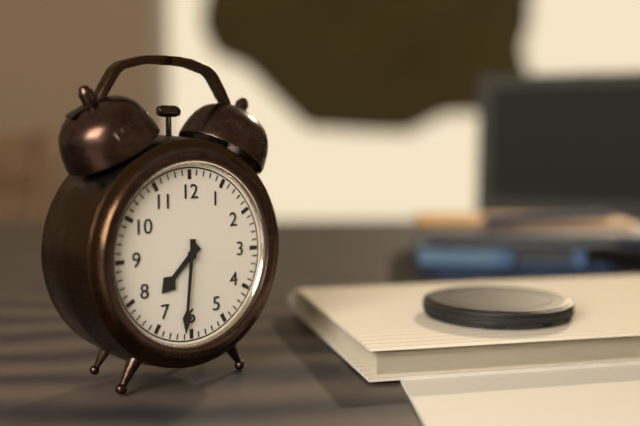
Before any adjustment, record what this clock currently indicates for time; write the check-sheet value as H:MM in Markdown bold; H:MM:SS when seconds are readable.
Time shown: **7:31**
